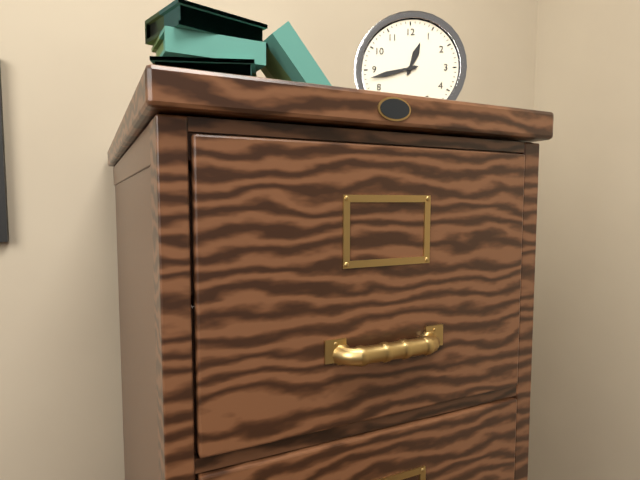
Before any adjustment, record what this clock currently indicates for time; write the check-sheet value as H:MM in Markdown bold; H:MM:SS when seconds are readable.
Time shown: **12:43**
